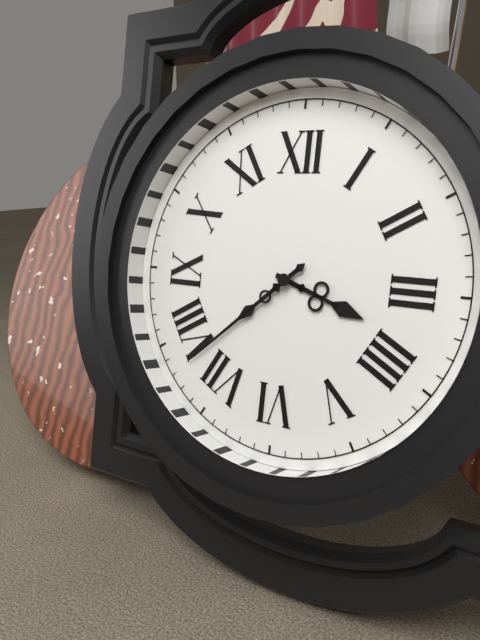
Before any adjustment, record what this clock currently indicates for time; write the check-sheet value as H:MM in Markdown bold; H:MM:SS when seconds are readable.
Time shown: **3:38**
